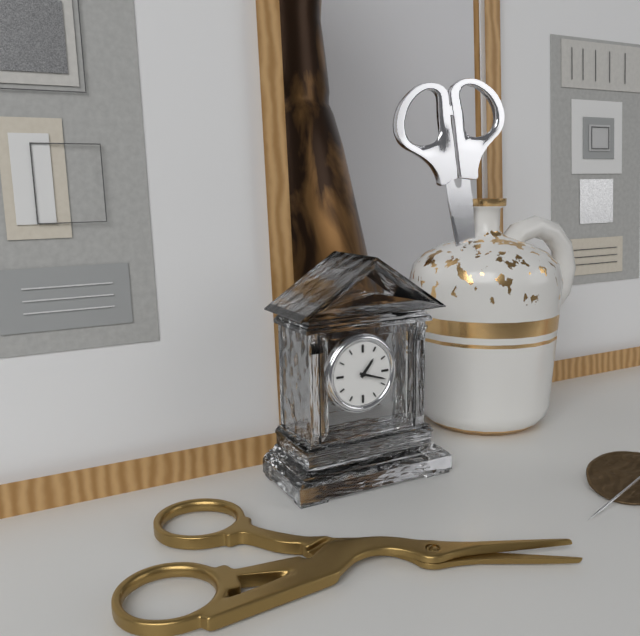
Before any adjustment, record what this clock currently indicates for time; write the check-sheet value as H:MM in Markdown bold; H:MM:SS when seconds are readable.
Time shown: **1:18**
